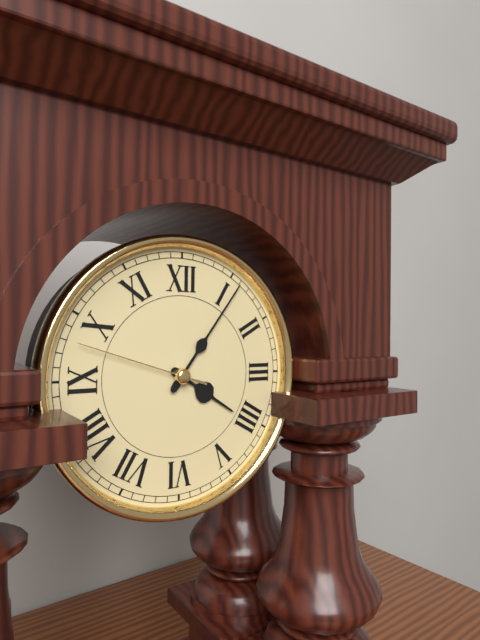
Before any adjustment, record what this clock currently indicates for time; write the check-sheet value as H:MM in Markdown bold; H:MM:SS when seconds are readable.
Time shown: **4:06:48**
